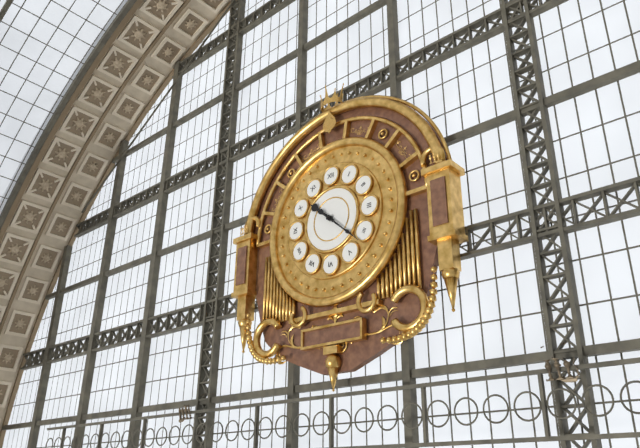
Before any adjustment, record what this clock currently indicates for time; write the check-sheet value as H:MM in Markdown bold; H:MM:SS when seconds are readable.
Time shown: **10:22**
